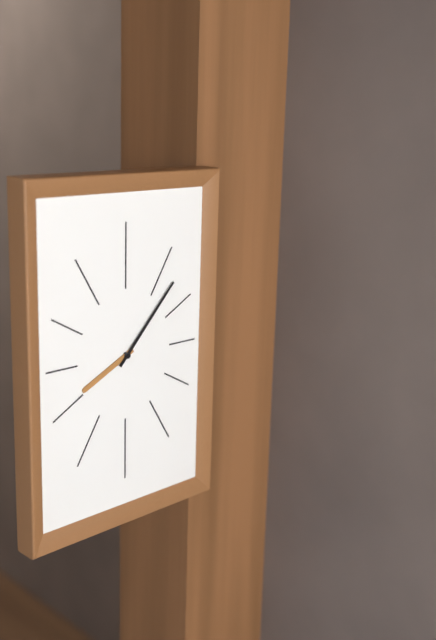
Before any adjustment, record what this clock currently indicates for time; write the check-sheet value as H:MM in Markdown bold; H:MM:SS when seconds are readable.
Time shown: **8:07**
